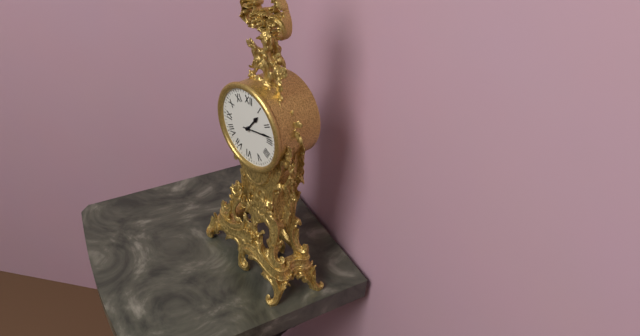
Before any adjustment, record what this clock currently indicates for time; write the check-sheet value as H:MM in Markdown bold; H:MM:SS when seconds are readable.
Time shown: **1:13**
